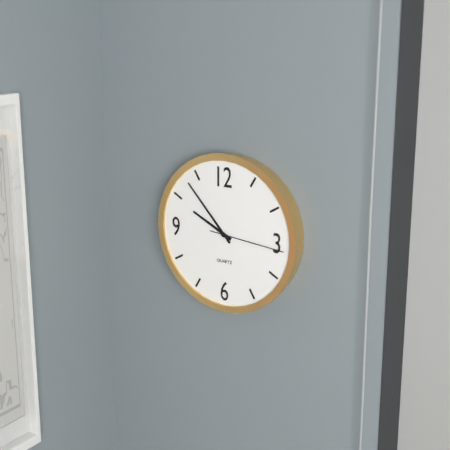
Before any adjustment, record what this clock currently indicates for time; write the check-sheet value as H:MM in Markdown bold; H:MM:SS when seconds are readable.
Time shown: **9:53:16**
